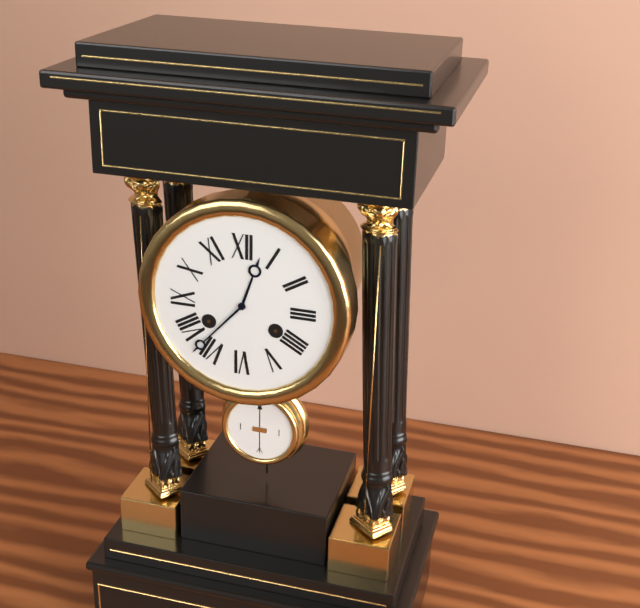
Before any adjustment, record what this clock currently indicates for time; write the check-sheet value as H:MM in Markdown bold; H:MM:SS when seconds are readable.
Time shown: **12:37**
